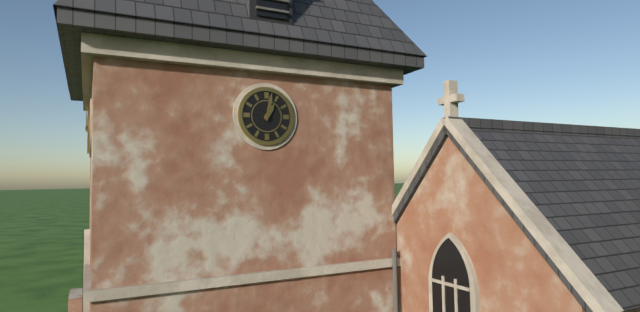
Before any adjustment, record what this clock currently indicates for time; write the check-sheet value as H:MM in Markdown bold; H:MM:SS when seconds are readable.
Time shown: **1:02**
